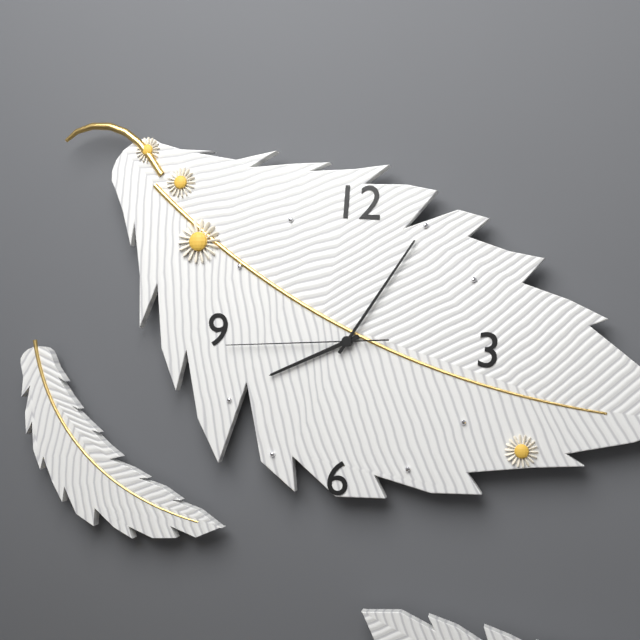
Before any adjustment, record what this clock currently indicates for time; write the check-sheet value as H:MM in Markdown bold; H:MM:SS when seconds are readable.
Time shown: **8:05:44**
